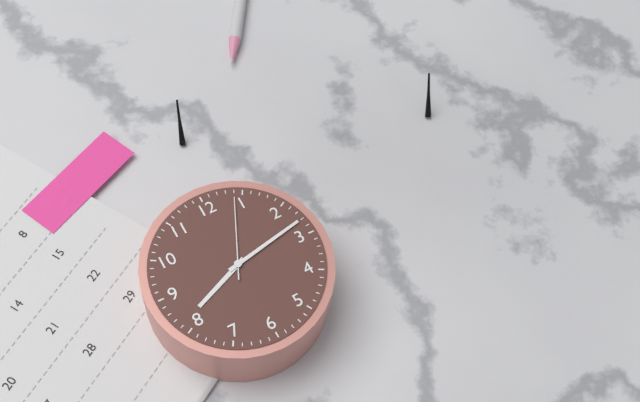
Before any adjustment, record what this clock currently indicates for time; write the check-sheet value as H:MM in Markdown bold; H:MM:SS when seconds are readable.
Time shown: **8:13:04**
